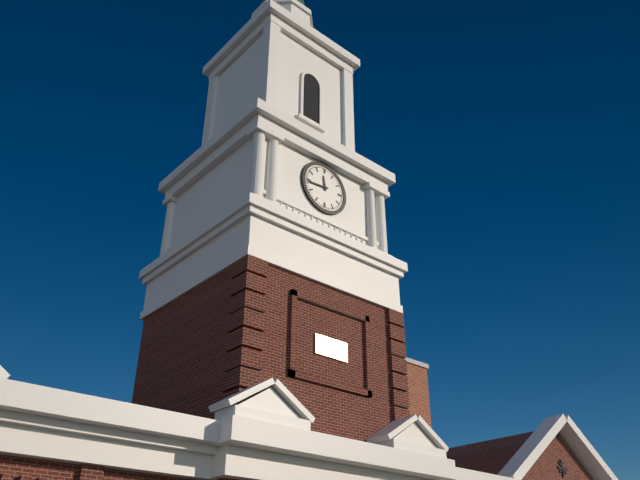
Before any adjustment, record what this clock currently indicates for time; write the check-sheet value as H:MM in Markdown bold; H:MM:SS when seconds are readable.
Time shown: **11:44**
